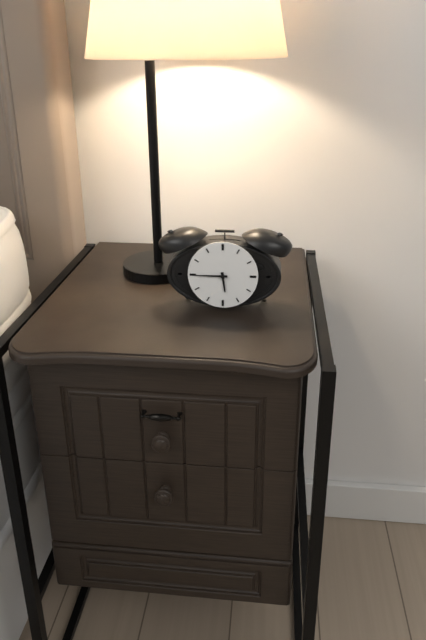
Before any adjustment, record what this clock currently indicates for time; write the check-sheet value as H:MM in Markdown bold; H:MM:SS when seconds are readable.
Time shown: **5:45**
